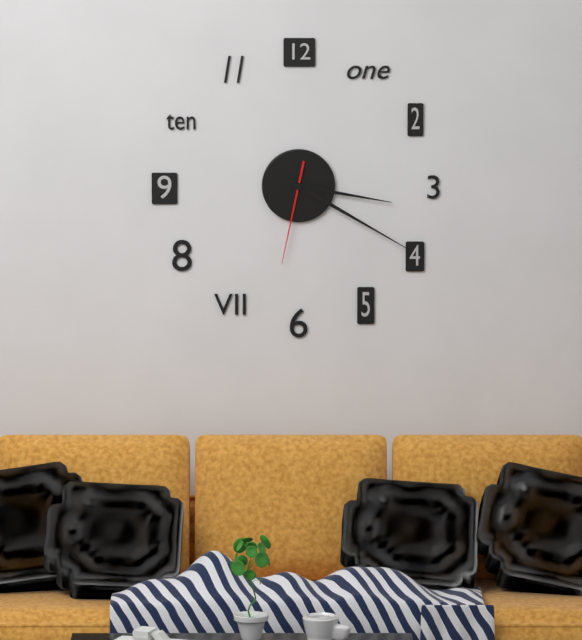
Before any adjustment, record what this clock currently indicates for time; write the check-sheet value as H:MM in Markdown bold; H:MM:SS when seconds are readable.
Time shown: **3:20:32**
